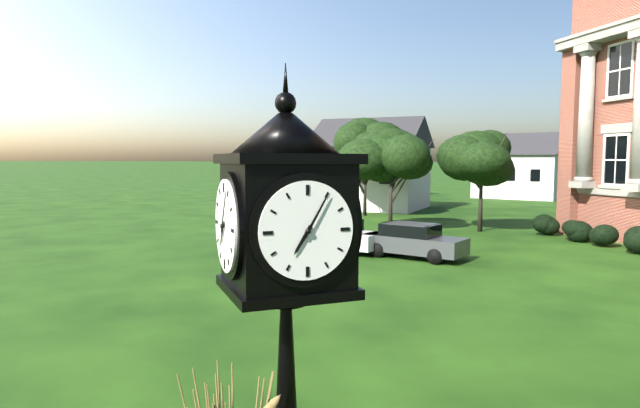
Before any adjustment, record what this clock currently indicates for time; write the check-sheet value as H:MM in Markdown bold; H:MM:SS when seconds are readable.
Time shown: **7:05**
